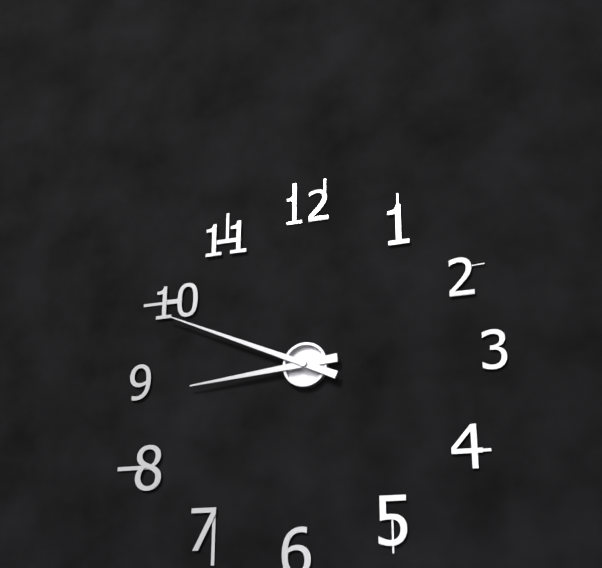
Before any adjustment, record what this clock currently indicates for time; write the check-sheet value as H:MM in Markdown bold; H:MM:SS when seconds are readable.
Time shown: **8:49**
